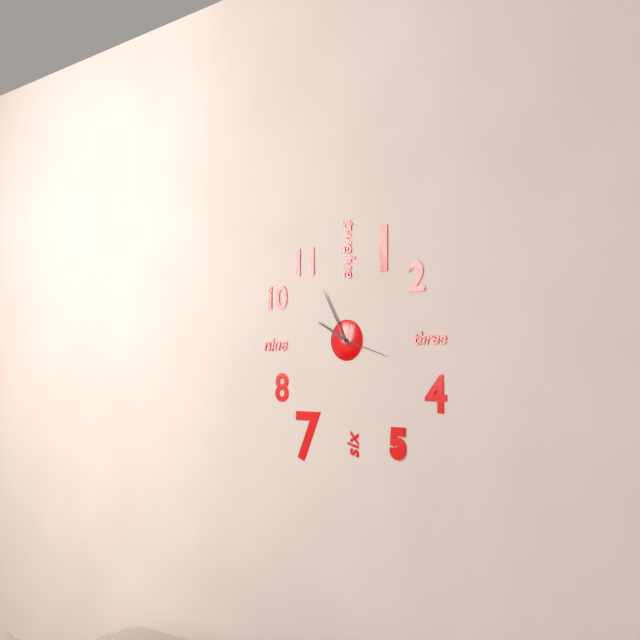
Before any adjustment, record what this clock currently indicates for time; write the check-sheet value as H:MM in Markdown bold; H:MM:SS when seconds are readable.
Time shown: **9:55:18**
